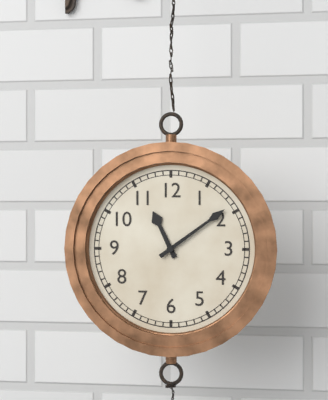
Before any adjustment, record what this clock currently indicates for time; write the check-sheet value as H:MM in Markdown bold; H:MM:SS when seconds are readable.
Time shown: **11:09**
